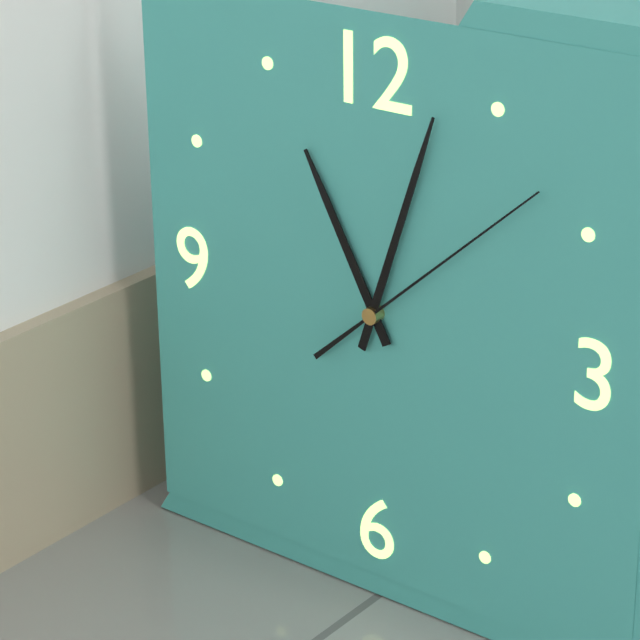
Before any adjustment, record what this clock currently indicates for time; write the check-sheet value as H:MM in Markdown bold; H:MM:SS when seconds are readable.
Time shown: **11:03:08**
